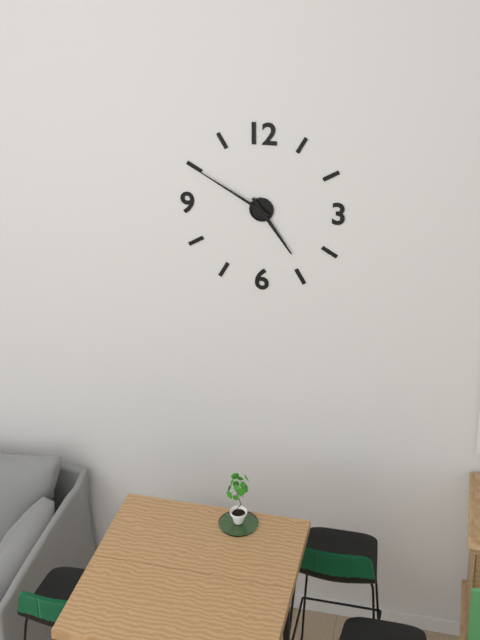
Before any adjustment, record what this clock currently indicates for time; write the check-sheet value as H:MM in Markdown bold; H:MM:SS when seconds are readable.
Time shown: **4:50**
